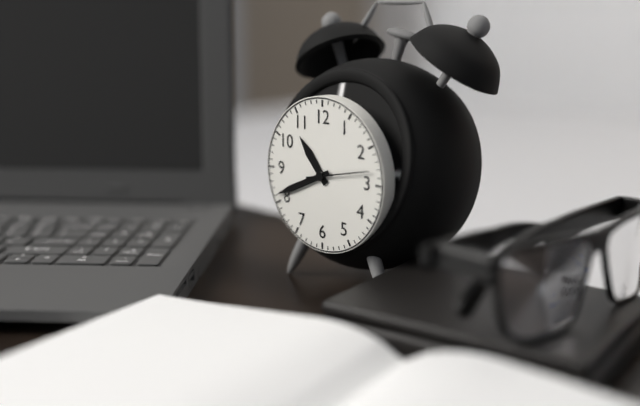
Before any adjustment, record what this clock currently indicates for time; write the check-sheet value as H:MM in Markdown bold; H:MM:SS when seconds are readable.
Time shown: **10:41:13**
